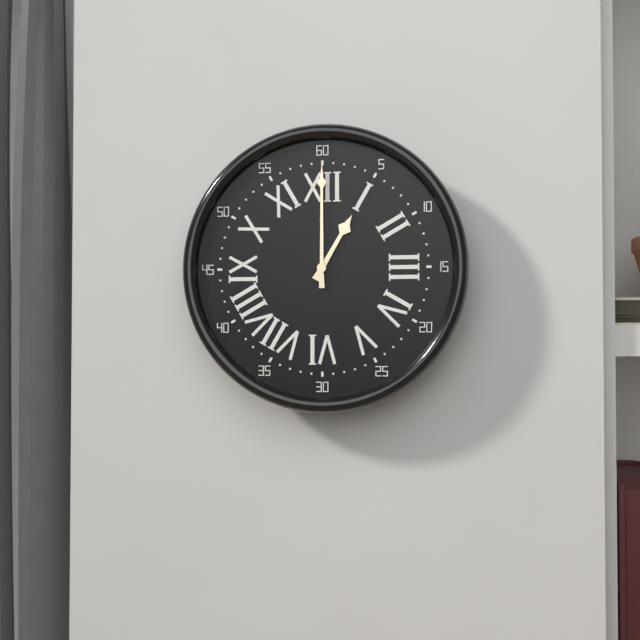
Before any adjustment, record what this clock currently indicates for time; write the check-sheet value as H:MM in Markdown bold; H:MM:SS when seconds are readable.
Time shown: **1:00**
